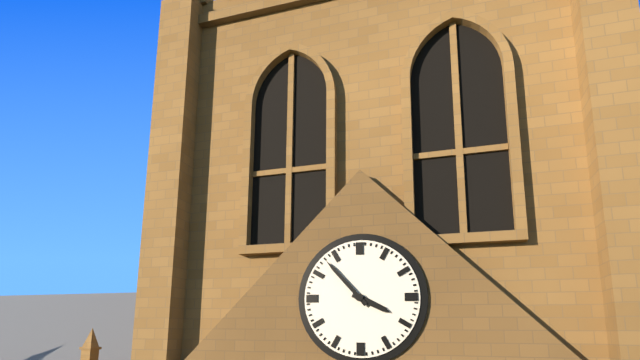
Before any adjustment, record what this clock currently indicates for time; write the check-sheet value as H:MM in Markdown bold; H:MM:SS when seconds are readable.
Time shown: **3:53**
